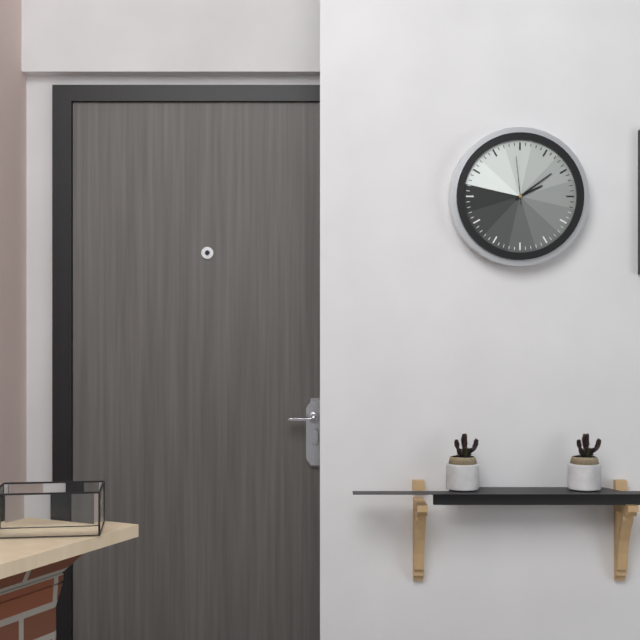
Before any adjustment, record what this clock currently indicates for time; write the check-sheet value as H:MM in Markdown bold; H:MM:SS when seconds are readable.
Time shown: **2:09:59**
